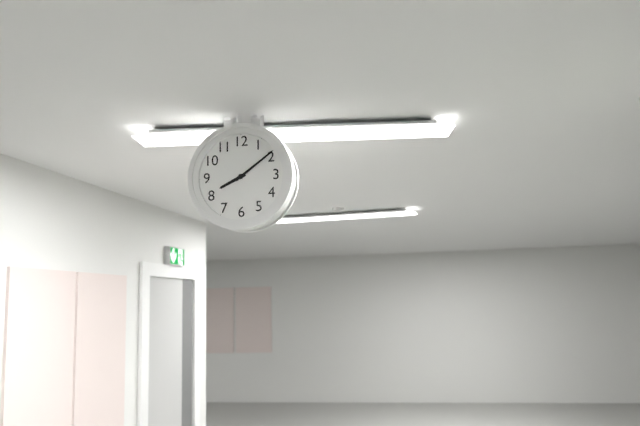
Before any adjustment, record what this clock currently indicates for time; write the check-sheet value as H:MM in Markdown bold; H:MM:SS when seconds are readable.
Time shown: **8:09**
